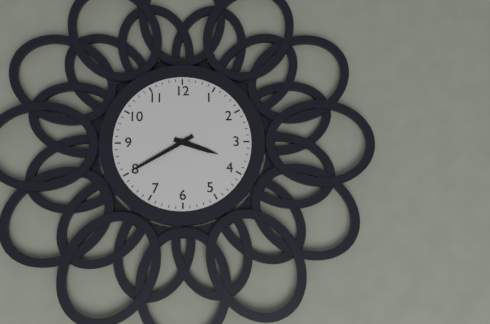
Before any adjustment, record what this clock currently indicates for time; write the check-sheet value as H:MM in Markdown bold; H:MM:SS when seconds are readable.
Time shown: **3:40**
